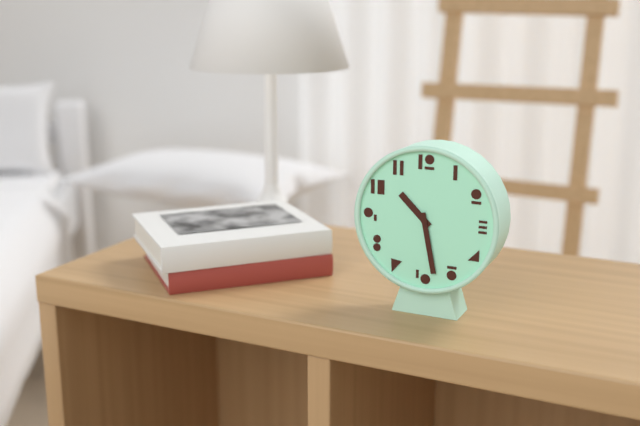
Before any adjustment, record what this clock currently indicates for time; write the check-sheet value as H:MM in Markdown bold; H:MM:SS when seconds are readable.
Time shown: **10:28**
